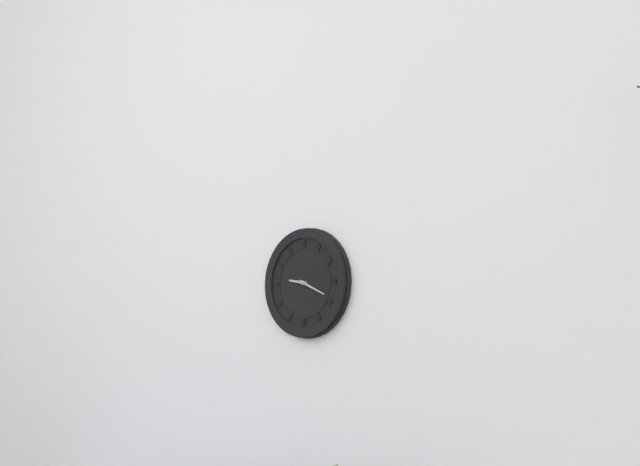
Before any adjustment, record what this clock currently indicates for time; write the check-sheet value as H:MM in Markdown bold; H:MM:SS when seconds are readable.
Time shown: **9:19**
